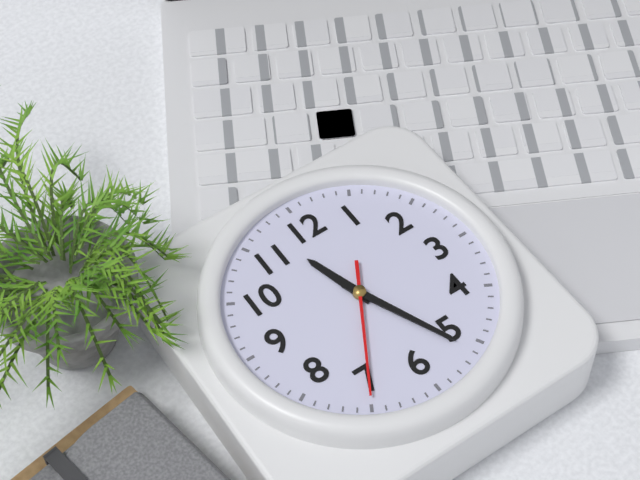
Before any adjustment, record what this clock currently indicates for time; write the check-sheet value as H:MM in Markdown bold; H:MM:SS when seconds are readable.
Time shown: **11:26:35**
